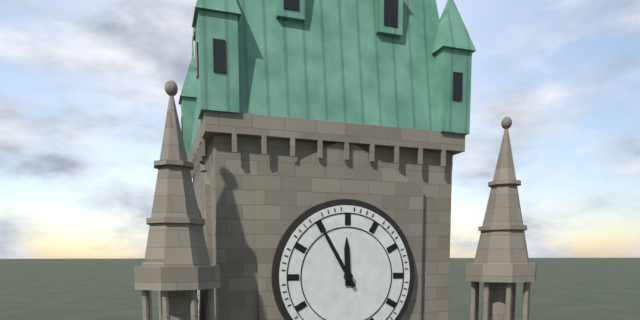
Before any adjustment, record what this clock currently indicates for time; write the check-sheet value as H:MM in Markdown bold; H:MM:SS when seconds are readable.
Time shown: **11:55**
